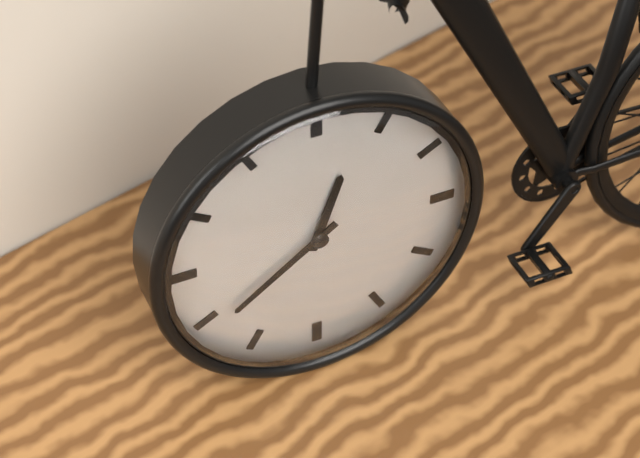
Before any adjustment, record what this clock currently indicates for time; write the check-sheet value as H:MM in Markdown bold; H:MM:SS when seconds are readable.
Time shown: **12:39**
